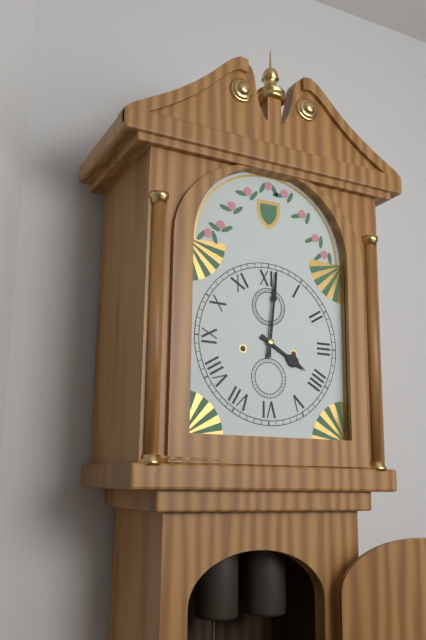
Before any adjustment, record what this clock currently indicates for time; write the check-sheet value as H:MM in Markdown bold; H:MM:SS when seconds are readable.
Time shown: **4:01**
